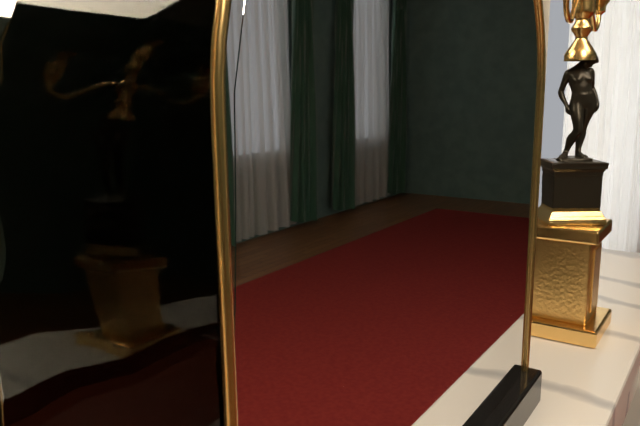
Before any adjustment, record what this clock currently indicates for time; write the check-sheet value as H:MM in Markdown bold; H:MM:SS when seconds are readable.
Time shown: **6:01**
